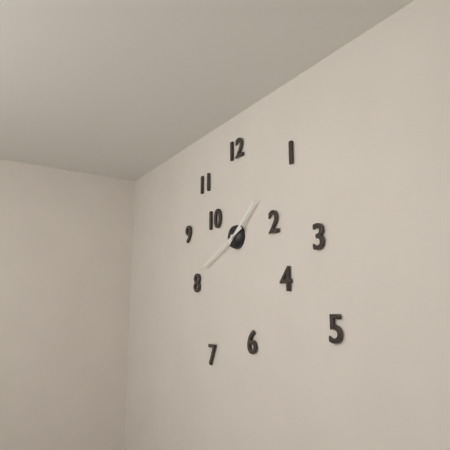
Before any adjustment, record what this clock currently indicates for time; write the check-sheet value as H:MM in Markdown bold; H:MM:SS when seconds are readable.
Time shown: **1:41**
